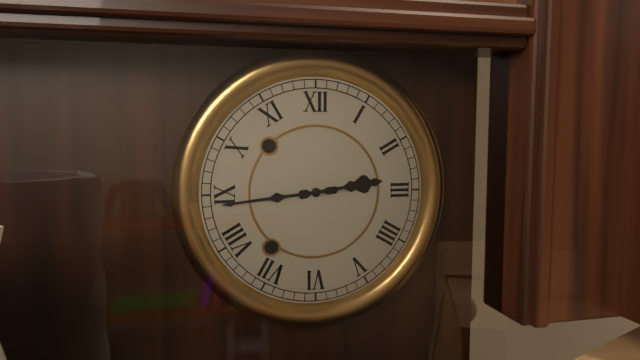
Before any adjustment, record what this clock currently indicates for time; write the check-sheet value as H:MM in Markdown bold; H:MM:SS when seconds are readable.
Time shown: **2:44**
